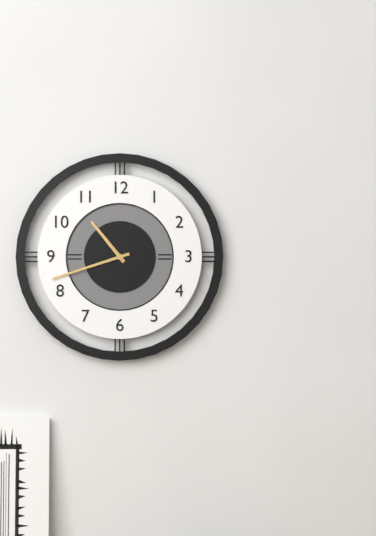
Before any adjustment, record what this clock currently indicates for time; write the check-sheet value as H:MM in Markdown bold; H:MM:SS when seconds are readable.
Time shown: **10:42**
